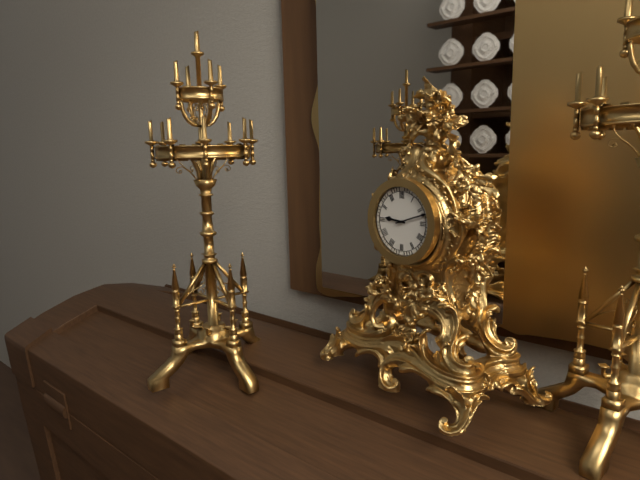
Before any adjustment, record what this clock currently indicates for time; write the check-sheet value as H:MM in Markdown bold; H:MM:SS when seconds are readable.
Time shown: **9:12**
